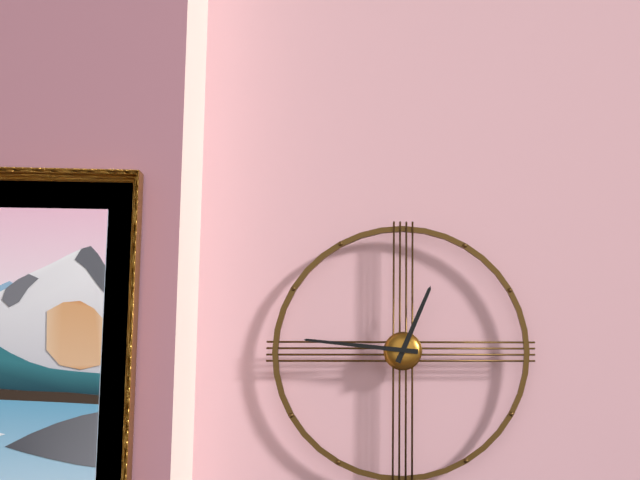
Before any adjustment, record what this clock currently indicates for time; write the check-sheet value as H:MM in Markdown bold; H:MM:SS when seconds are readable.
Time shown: **12:46**
